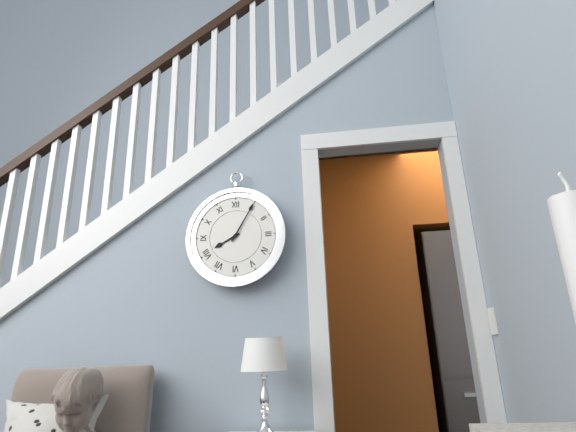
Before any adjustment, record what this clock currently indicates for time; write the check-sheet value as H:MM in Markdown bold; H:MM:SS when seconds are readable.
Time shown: **8:05**
